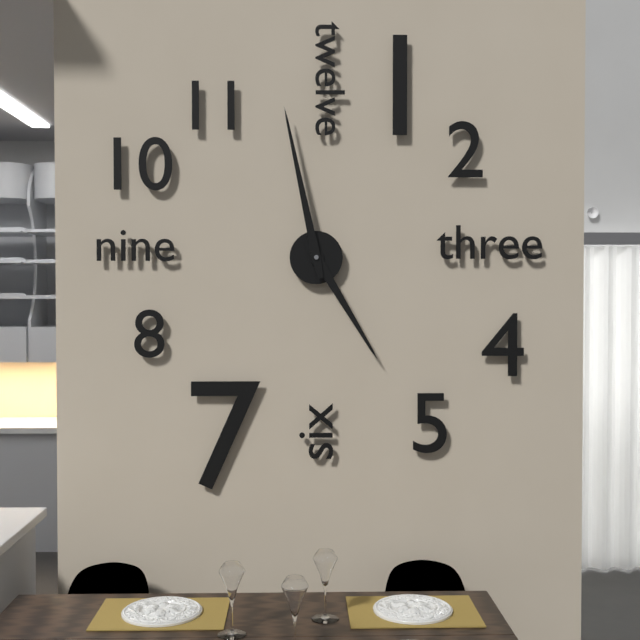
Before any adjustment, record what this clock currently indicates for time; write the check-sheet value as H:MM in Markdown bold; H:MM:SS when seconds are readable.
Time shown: **4:58**
